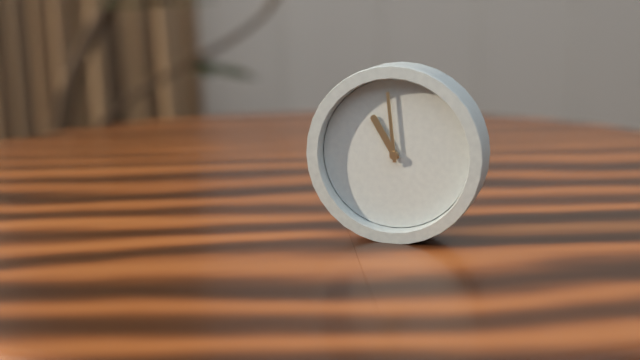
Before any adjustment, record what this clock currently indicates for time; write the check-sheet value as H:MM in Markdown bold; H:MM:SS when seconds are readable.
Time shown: **10:59**
